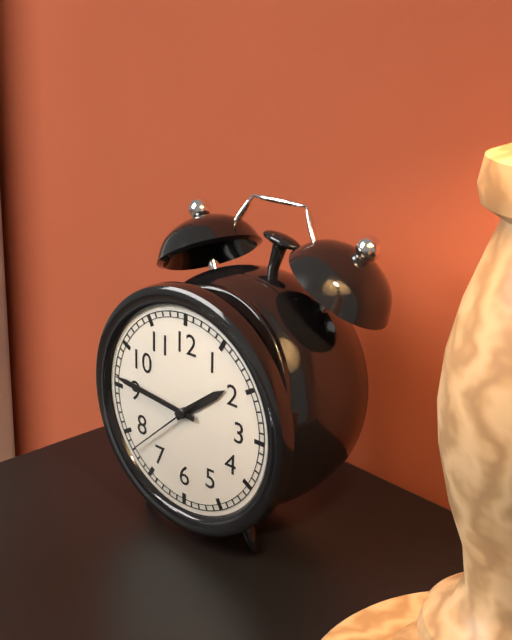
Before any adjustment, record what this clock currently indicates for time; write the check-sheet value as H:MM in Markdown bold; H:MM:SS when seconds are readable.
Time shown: **1:46:38**
